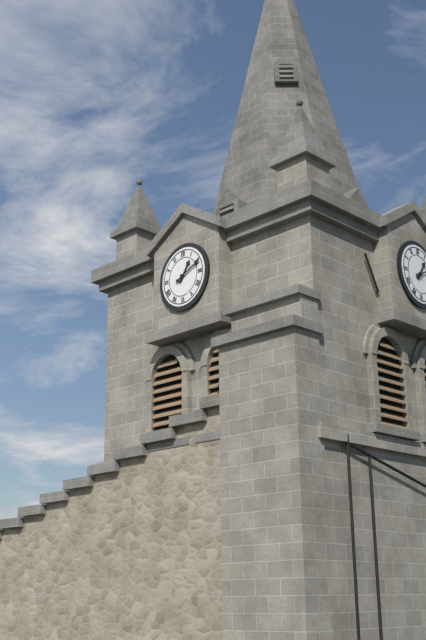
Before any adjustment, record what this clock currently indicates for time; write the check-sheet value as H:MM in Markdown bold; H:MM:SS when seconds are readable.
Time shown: **1:11**
